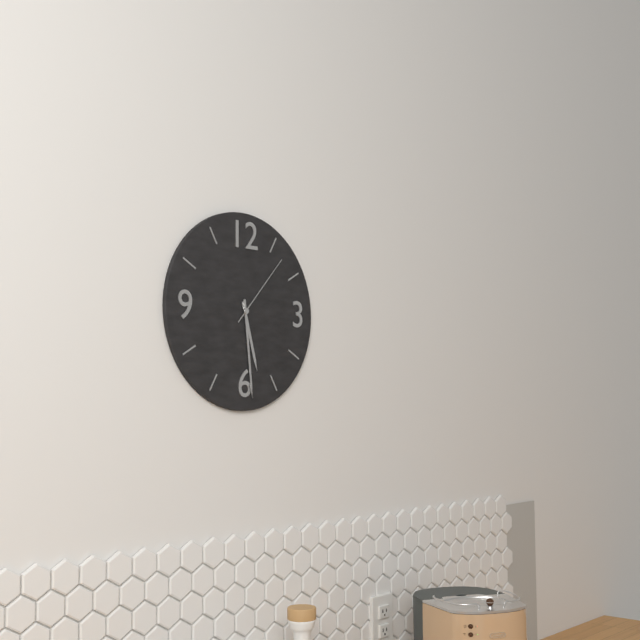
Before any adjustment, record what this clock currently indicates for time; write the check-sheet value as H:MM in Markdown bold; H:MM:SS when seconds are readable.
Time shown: **5:29:07**
